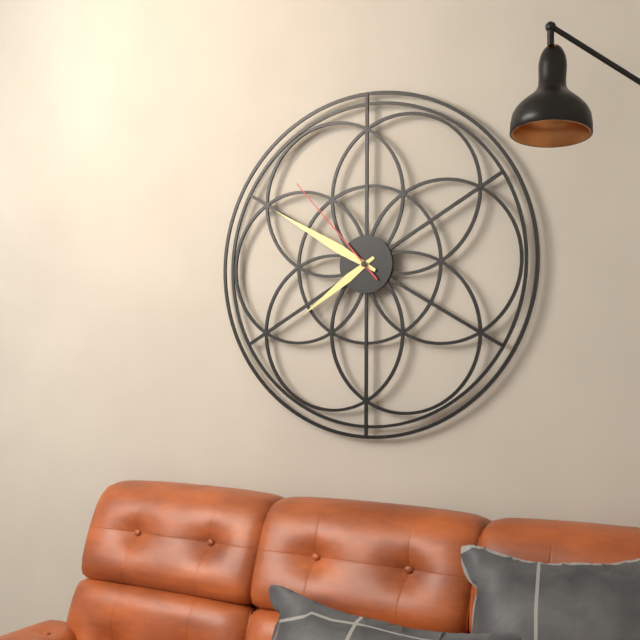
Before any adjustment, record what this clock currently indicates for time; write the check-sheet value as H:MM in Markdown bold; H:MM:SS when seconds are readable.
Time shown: **7:50:53**
